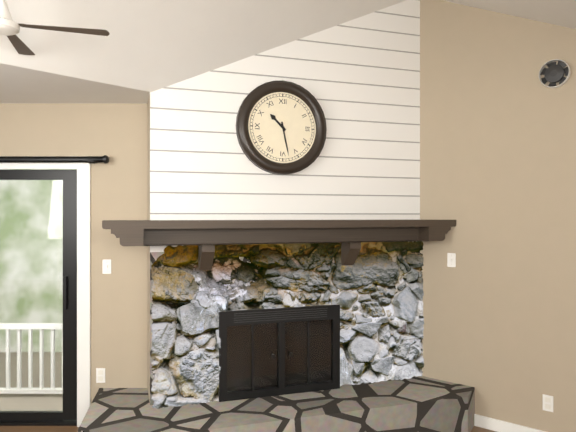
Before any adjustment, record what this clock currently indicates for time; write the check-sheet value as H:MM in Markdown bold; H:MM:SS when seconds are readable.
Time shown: **10:28**
